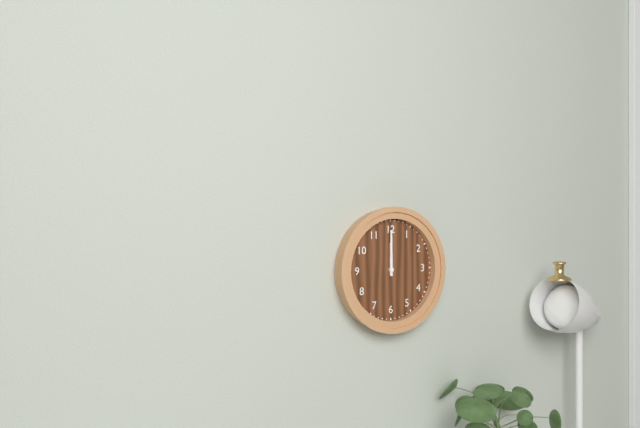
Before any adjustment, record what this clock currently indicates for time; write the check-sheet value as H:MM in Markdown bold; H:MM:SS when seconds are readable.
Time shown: **12:00**
